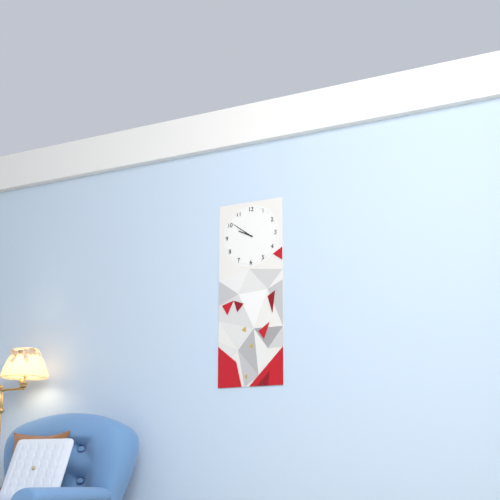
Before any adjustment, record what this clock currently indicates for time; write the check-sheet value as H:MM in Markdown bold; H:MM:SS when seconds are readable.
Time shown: **9:51**
